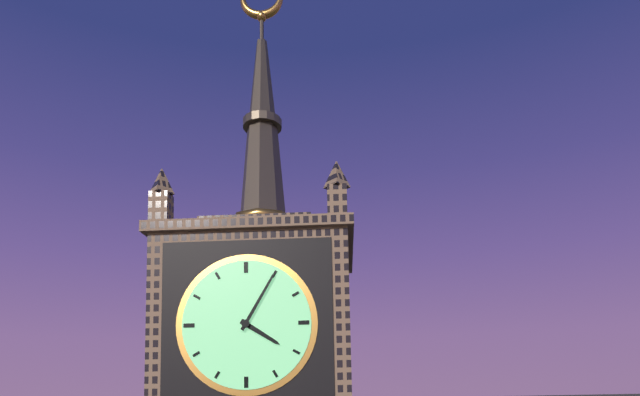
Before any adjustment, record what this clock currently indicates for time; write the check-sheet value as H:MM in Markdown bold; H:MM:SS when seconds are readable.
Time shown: **4:05**
